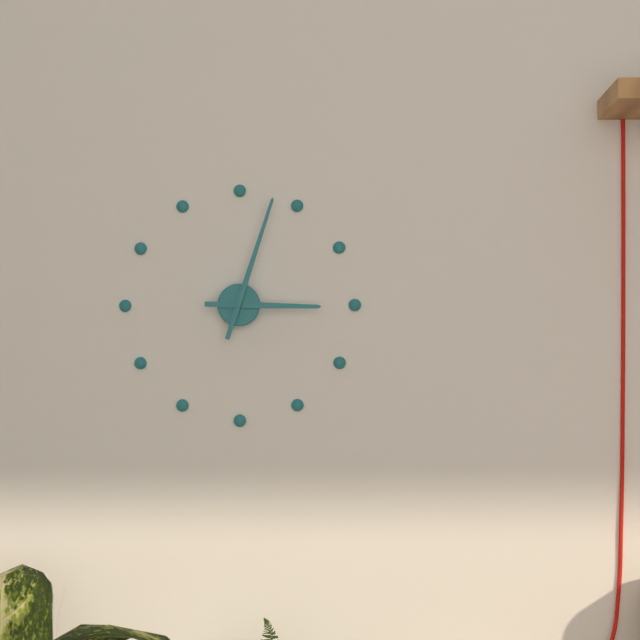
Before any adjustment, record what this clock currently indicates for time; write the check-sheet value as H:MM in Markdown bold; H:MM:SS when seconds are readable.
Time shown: **3:03**
